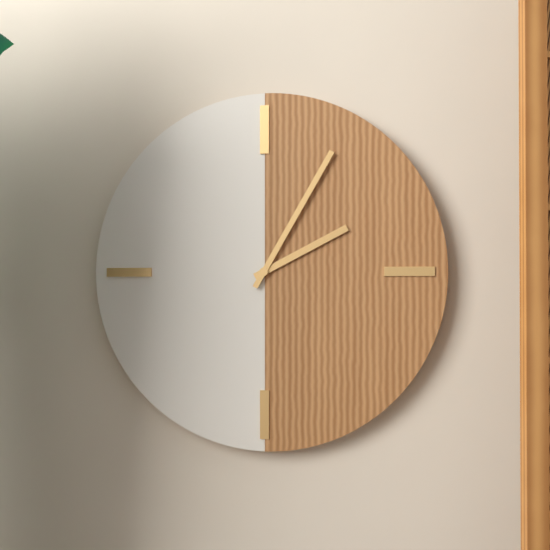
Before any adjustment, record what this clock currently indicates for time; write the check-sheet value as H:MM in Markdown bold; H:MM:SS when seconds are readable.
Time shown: **2:05**
